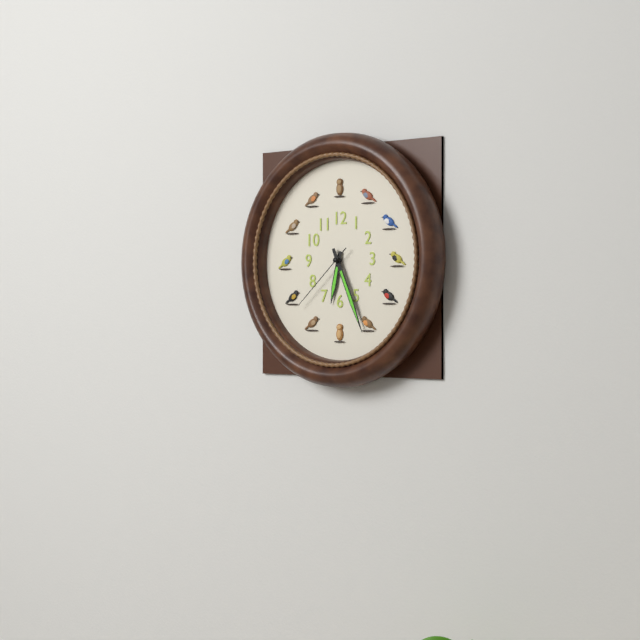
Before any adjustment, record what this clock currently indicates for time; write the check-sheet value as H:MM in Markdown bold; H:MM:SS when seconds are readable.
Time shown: **6:26:38**
